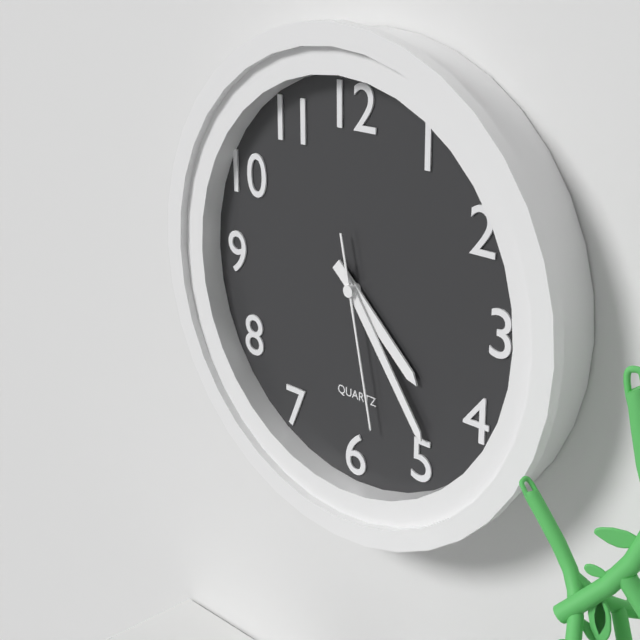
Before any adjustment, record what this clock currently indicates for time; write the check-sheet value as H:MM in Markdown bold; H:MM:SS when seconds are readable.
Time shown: **4:24:28**
